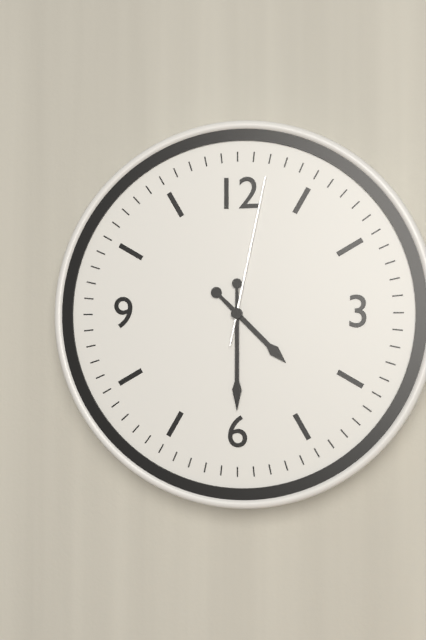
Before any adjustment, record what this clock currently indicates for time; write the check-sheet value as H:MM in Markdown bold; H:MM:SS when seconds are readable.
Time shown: **4:30:02**
